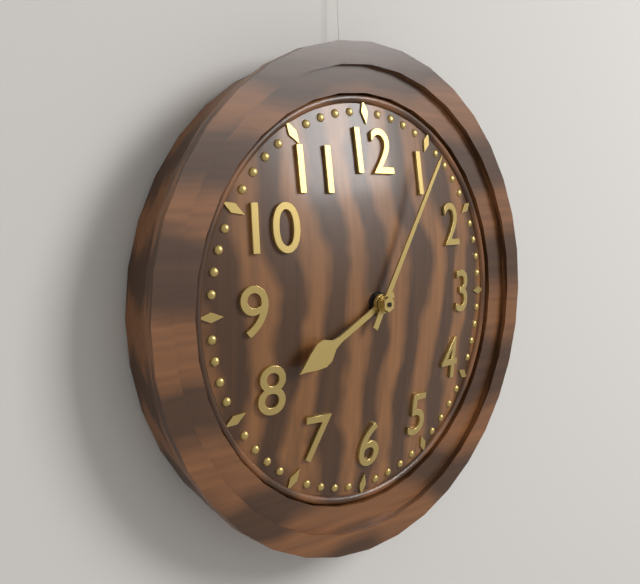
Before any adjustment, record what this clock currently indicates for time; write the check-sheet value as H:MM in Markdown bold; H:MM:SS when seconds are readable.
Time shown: **8:05**
